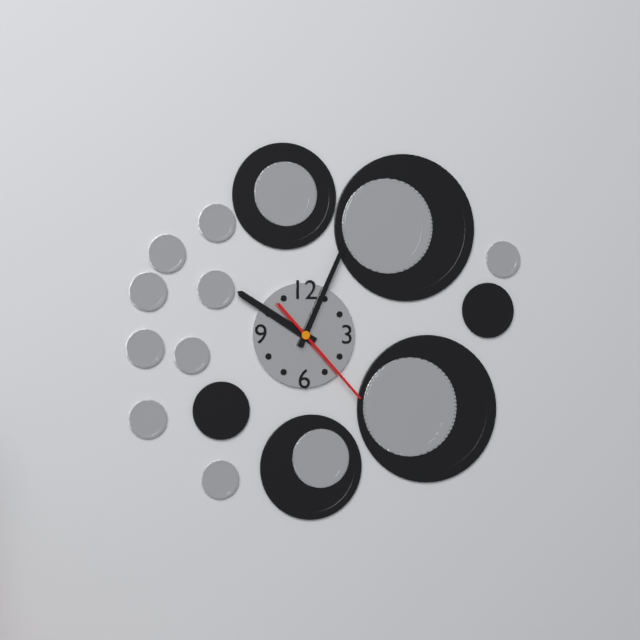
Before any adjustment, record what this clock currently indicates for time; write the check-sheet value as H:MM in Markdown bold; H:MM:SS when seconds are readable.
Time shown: **10:04:23**
